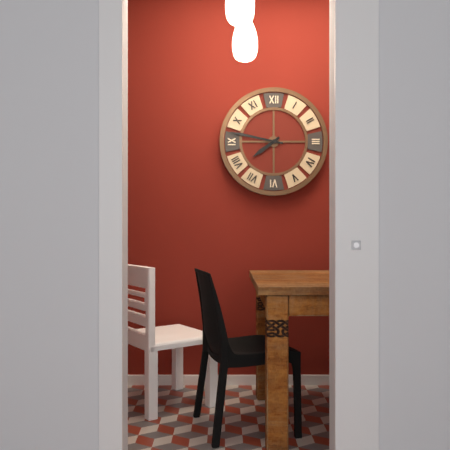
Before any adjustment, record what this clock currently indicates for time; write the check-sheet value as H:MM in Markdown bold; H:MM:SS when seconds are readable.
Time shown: **7:47**
